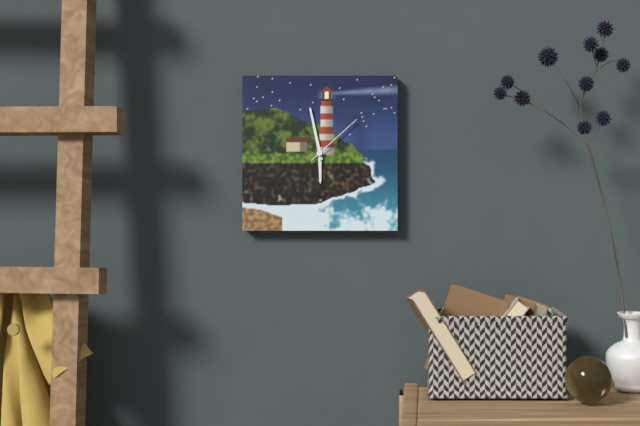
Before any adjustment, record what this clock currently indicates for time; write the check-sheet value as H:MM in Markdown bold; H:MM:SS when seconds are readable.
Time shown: **5:58:08**
